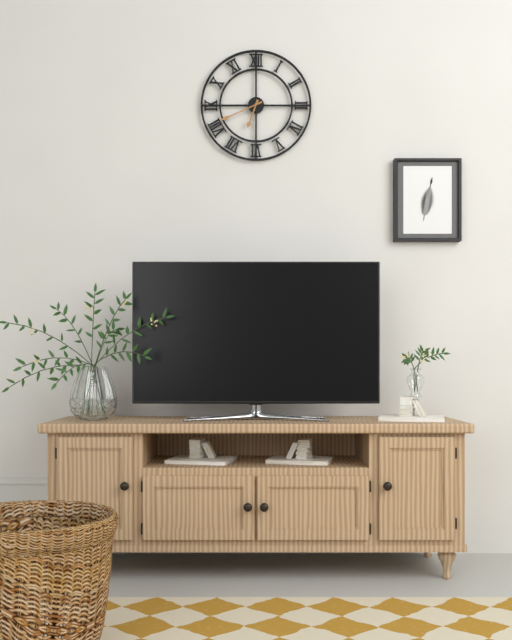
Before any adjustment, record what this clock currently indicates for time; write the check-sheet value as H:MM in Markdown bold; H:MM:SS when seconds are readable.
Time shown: **6:41**
